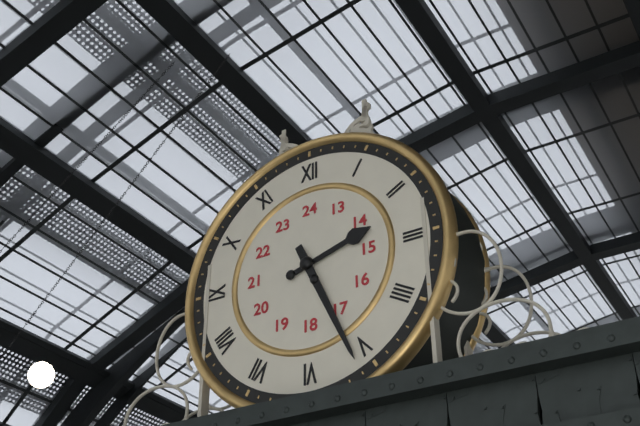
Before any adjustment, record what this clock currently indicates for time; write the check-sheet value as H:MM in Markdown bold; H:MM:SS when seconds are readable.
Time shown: **2:26**
